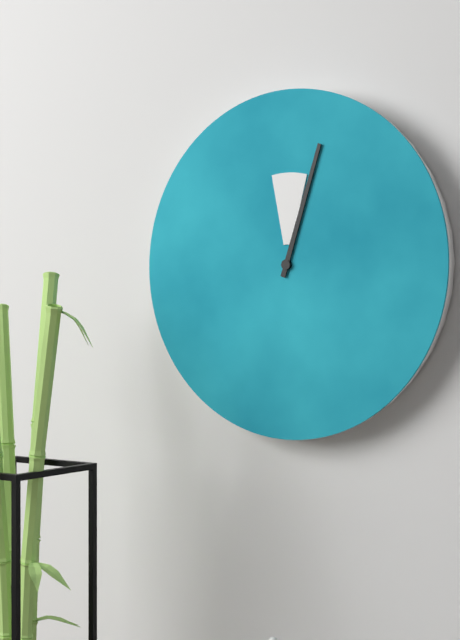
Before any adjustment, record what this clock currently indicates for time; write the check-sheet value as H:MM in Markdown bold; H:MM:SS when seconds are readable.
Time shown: **12:03**
